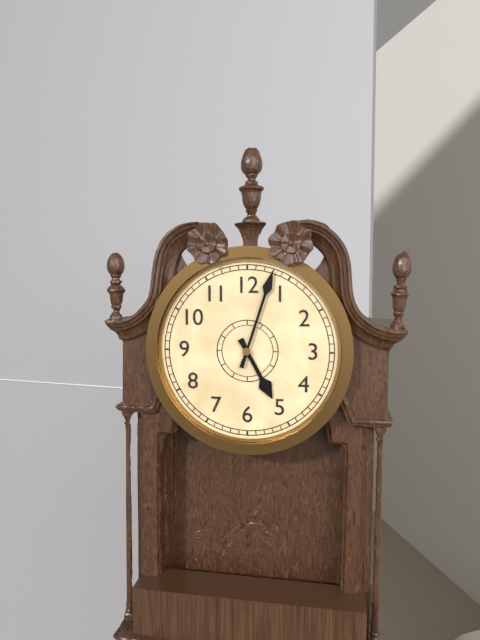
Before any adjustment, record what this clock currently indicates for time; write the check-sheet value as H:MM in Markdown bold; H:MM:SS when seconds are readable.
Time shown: **5:03**
